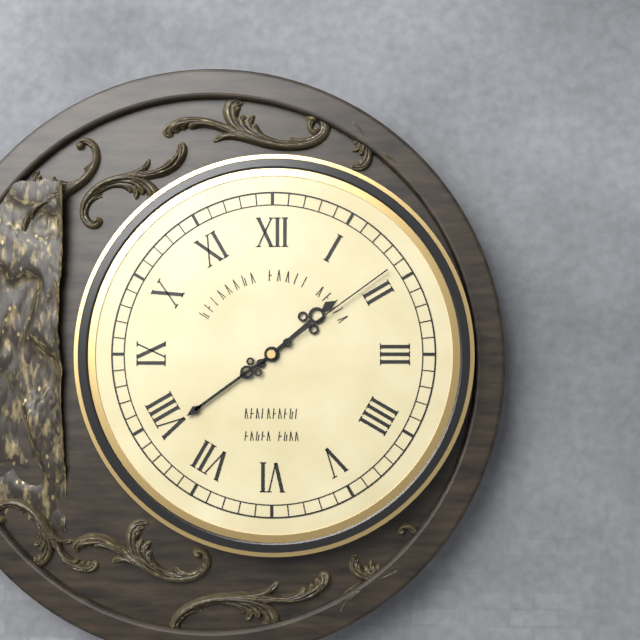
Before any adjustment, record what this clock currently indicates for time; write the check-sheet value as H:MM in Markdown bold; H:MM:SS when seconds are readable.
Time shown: **1:39:09**
